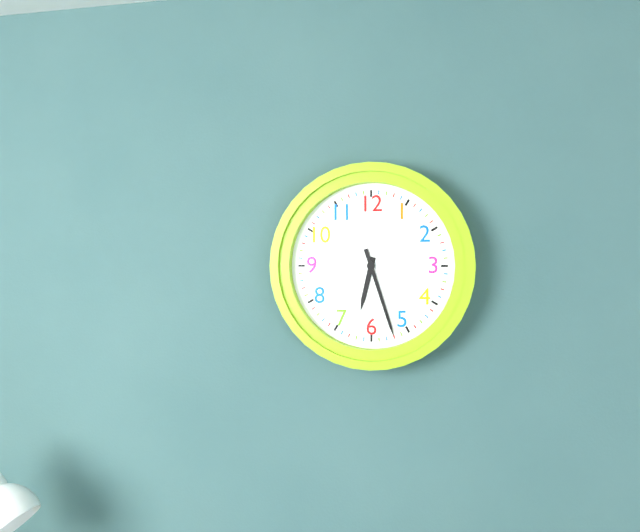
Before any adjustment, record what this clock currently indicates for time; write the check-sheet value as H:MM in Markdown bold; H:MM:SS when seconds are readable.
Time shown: **6:27**
